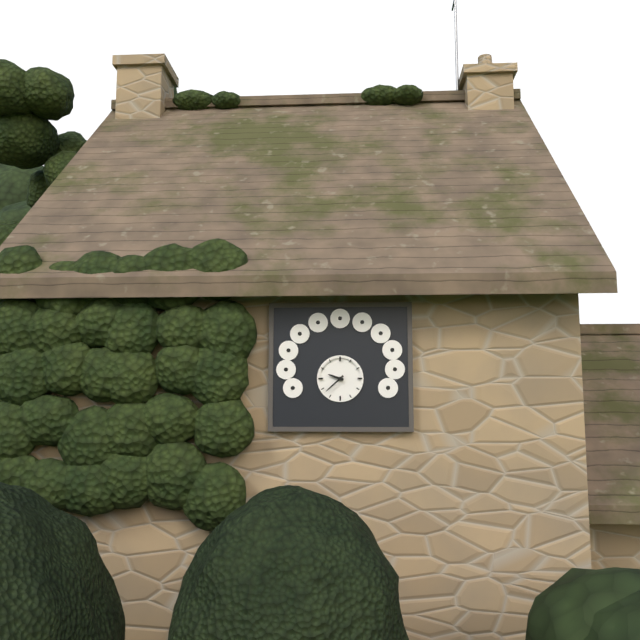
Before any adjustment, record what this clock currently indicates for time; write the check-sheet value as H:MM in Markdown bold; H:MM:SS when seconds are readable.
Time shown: **9:38**
